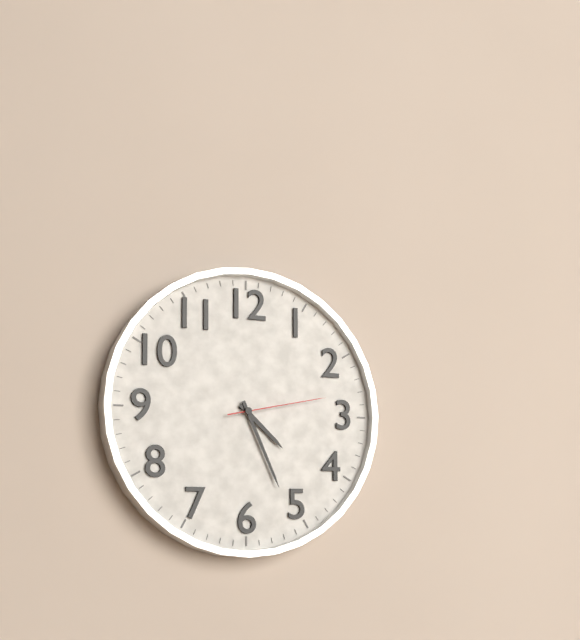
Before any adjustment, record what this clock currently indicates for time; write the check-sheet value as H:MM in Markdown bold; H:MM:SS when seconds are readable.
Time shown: **4:26:13**
